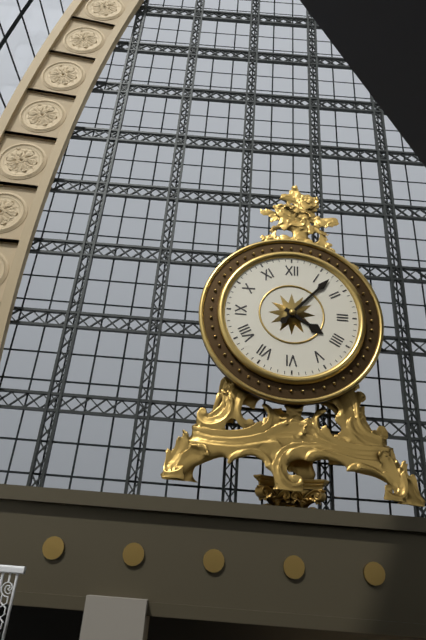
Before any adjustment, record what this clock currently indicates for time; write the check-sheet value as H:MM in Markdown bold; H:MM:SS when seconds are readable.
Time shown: **4:07**
